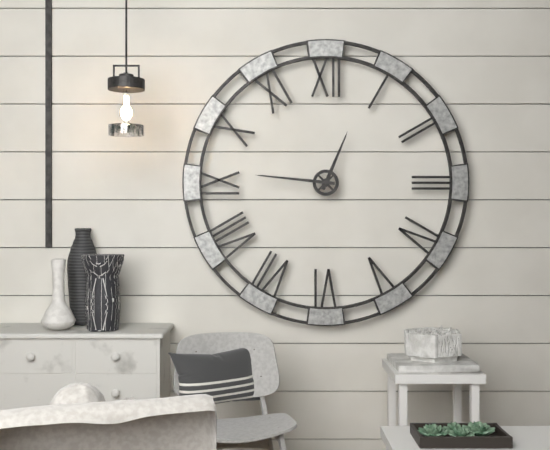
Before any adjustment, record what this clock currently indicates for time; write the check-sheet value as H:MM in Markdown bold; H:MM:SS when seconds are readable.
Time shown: **12:46**
